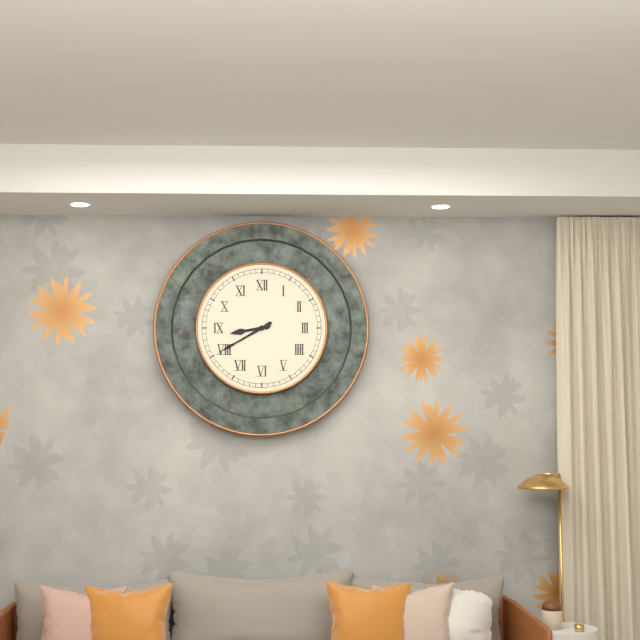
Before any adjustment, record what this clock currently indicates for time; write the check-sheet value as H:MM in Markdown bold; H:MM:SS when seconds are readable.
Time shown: **8:40**
